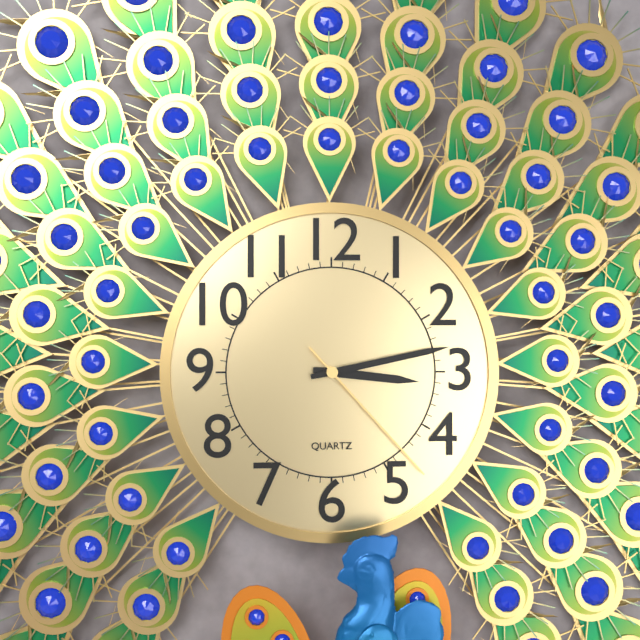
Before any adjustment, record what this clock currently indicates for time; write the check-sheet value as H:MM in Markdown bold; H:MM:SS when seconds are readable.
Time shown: **3:13:23**
